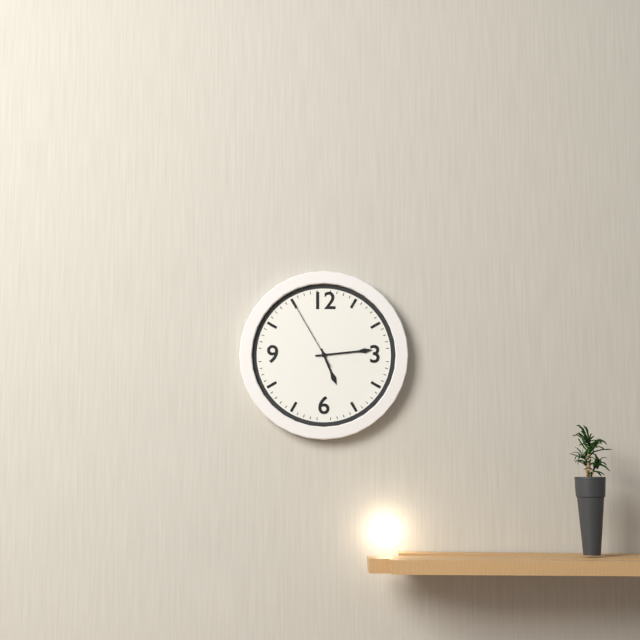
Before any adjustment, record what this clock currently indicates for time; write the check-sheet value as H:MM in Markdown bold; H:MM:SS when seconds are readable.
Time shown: **5:14:55**
